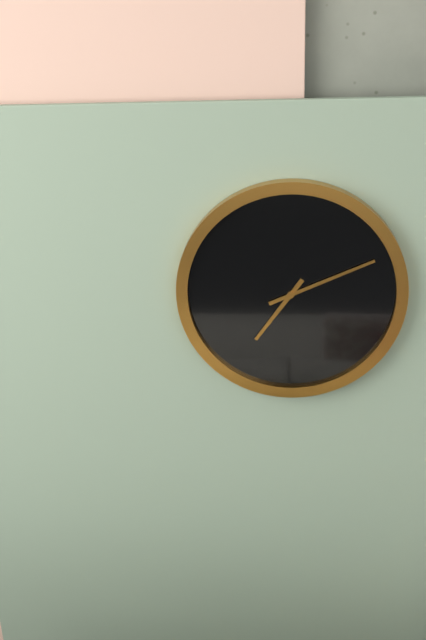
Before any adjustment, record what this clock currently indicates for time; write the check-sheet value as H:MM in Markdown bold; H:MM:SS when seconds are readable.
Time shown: **7:11**
